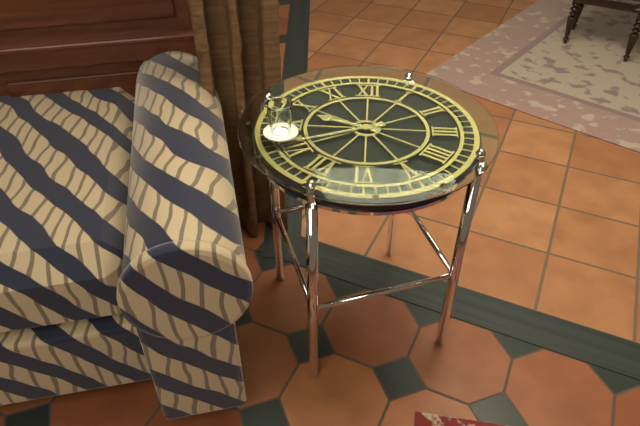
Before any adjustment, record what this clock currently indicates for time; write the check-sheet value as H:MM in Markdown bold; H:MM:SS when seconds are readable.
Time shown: **9:41**
